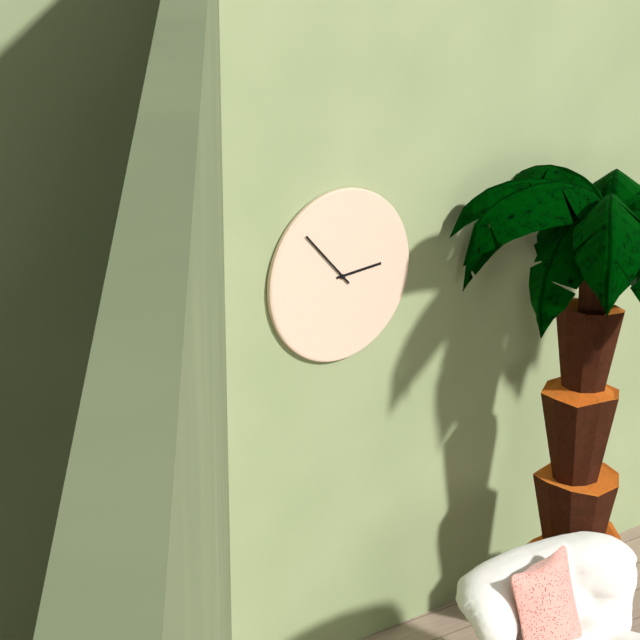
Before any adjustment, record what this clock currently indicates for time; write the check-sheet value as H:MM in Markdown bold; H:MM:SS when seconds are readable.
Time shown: **2:53**
